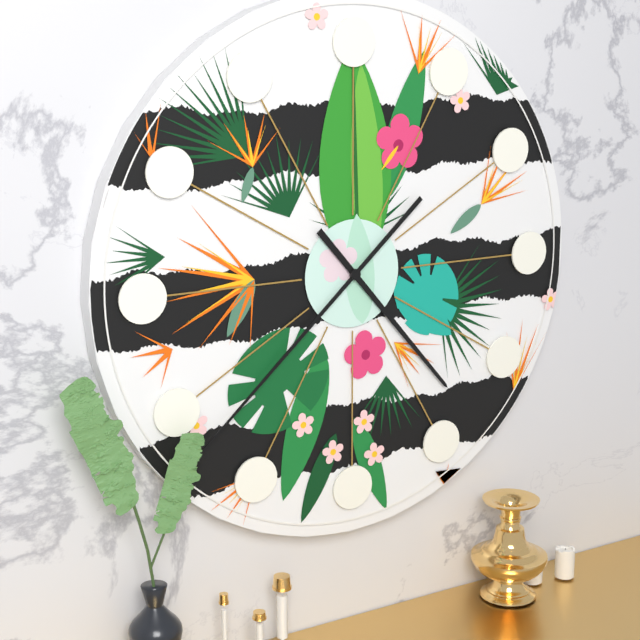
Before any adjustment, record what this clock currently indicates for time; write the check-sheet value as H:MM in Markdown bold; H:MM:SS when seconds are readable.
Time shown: **4:38**
